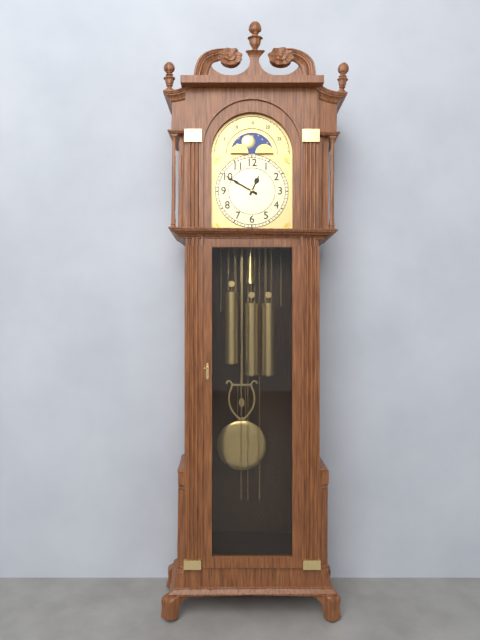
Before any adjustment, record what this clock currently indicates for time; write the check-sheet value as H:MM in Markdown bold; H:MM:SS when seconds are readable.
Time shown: **12:50**
